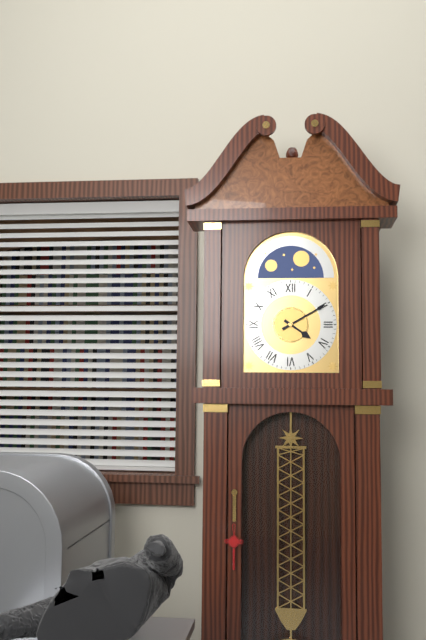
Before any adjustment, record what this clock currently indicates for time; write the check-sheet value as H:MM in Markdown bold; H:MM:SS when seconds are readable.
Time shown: **4:10**
